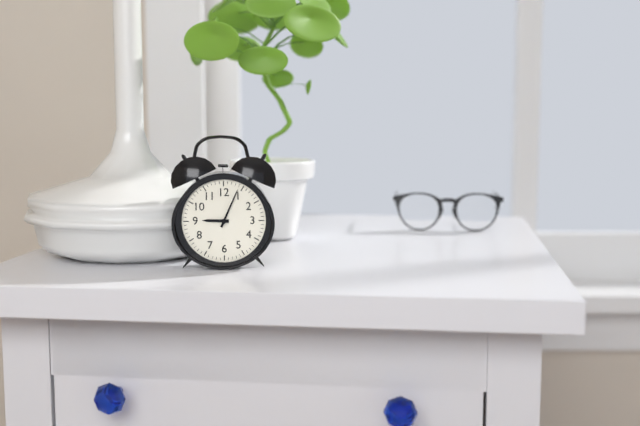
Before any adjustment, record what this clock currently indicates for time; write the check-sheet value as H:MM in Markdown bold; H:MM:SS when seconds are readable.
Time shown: **9:04**
